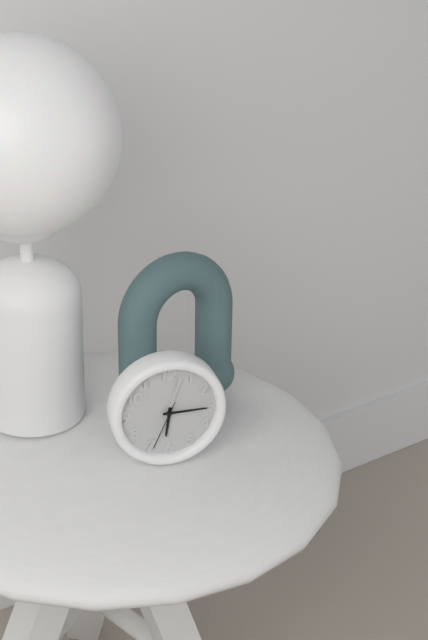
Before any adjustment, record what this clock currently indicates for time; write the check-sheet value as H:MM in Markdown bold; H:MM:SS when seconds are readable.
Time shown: **6:15:34**
